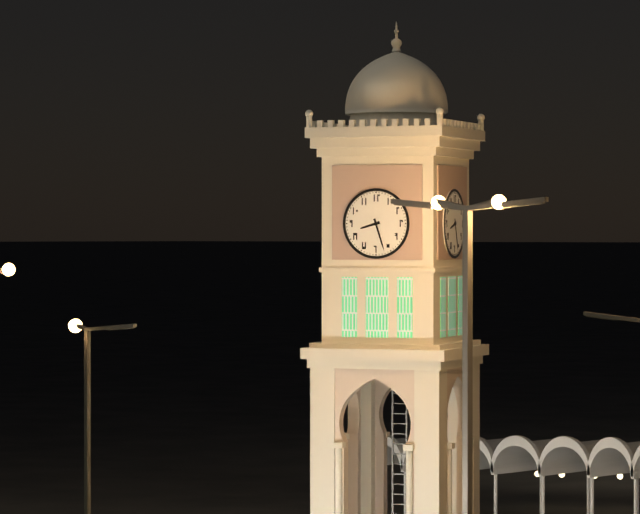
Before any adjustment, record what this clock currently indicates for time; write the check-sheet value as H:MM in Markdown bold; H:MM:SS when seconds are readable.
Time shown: **8:27**
